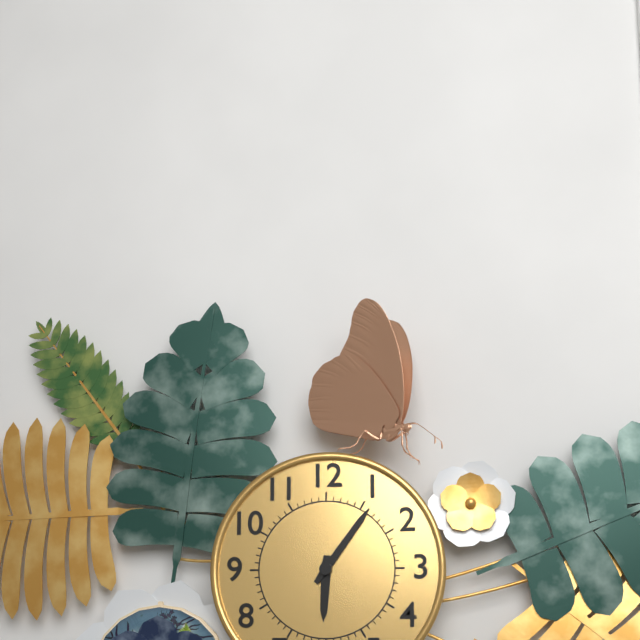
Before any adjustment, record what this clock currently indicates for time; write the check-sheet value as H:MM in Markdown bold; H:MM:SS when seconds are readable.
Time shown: **6:06**
